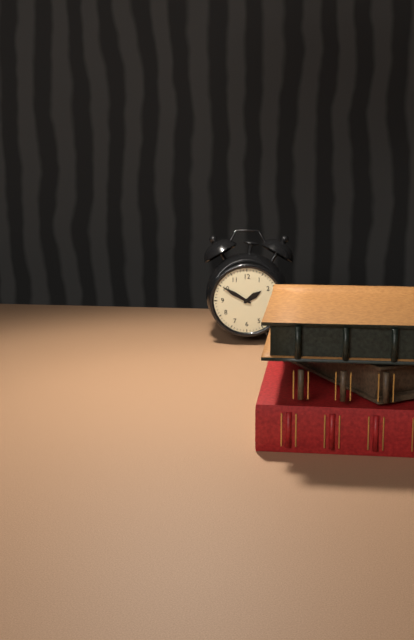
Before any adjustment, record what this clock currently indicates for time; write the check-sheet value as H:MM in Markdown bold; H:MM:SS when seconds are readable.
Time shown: **1:50**
